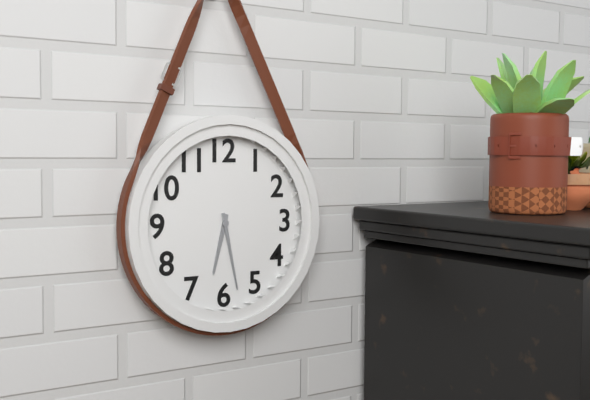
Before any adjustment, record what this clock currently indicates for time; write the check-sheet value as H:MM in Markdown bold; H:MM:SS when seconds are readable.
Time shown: **6:28**
